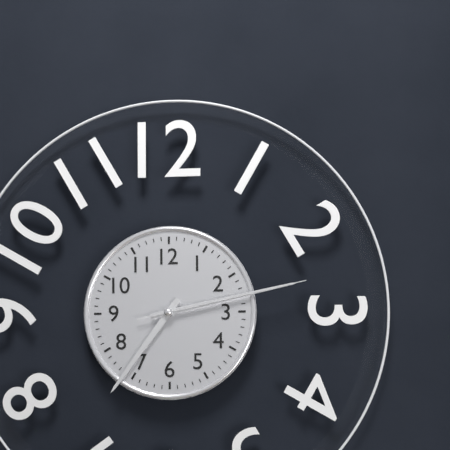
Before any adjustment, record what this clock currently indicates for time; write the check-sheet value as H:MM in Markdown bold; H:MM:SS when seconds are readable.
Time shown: **7:13:13**
